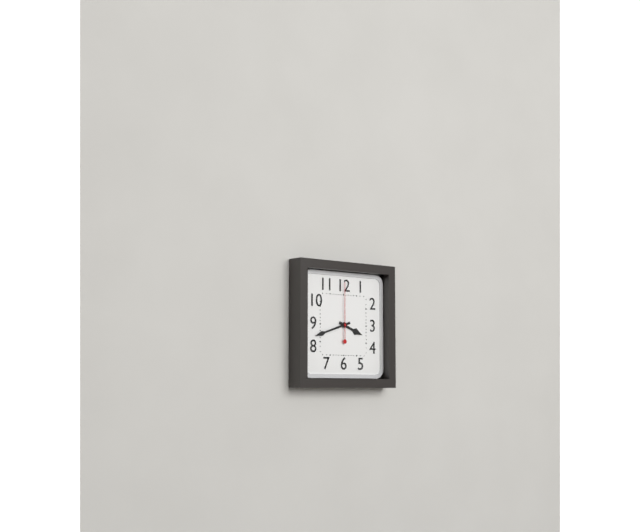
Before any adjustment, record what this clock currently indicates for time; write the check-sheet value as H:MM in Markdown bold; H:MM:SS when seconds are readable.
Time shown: **3:42:00**
